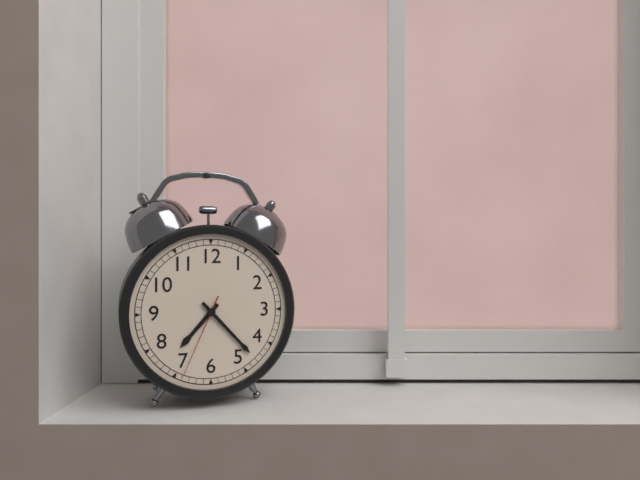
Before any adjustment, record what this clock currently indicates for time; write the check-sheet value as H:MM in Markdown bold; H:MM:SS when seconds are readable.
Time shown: **7:23:34**
